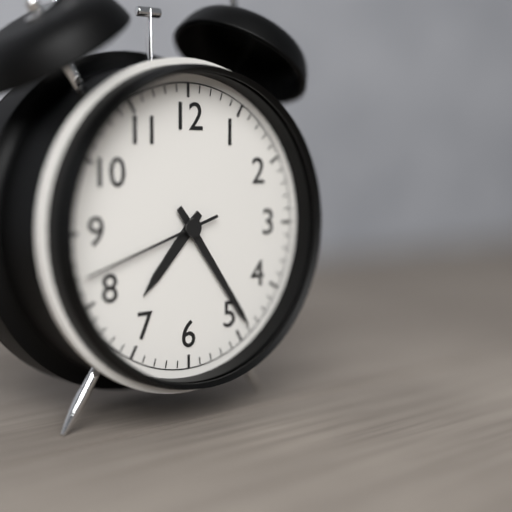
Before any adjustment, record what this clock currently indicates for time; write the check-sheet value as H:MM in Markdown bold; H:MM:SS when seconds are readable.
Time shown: **7:24:42**
